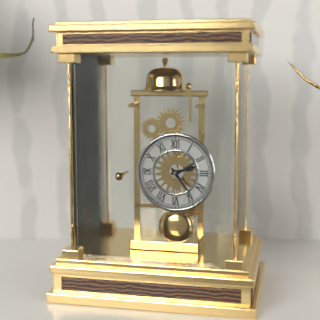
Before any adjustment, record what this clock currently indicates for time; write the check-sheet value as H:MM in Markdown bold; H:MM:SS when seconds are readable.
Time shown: **2:24**
